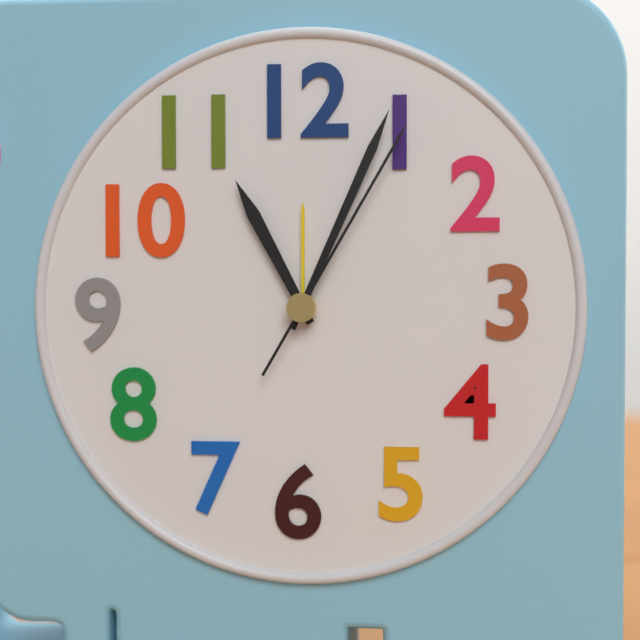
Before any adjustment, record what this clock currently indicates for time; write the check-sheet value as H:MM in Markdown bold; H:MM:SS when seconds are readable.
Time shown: **11:04:05**
